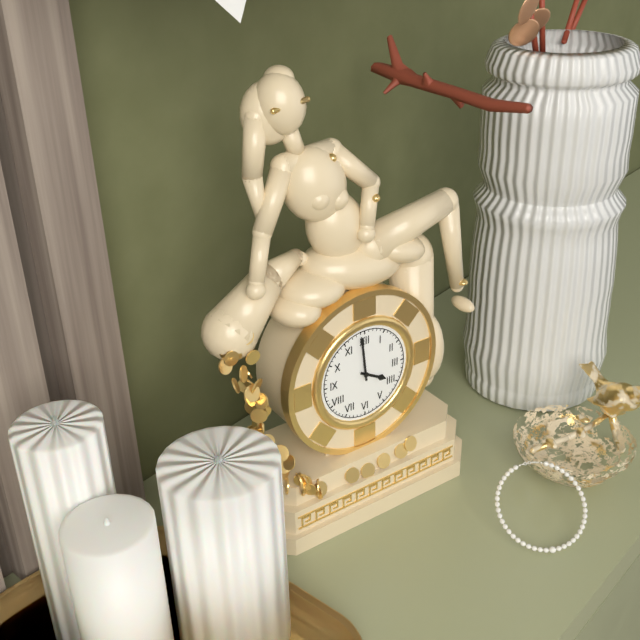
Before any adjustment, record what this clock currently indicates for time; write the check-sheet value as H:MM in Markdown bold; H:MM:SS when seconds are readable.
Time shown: **3:59**
